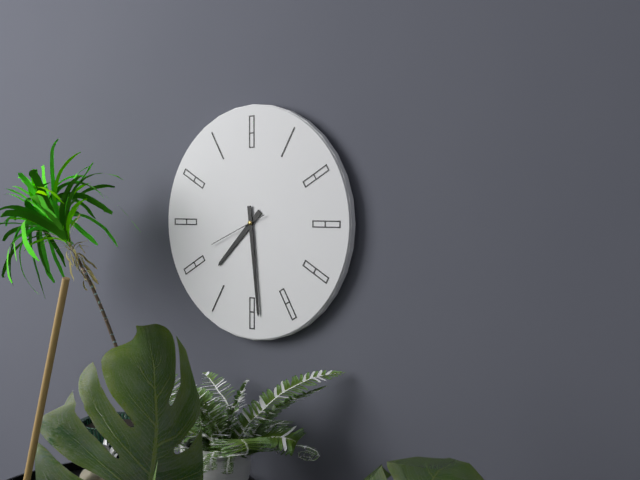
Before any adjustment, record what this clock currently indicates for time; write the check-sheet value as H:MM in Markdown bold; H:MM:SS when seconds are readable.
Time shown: **7:29:41**
